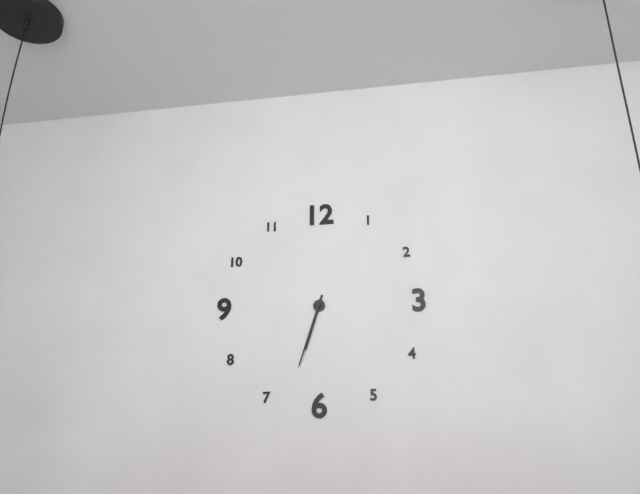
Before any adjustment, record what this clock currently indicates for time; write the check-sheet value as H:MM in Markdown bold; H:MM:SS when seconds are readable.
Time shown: **6:33**
